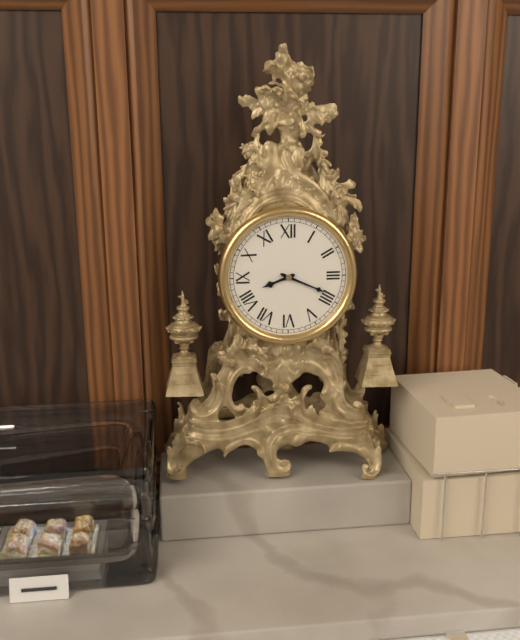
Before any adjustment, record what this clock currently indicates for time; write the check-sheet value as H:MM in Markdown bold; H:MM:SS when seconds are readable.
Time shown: **8:19**
